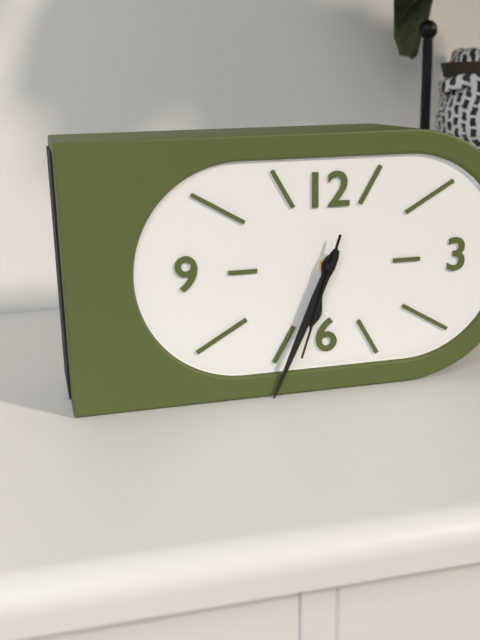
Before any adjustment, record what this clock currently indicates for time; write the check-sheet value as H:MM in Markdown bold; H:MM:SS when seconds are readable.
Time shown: **6:34:33**
